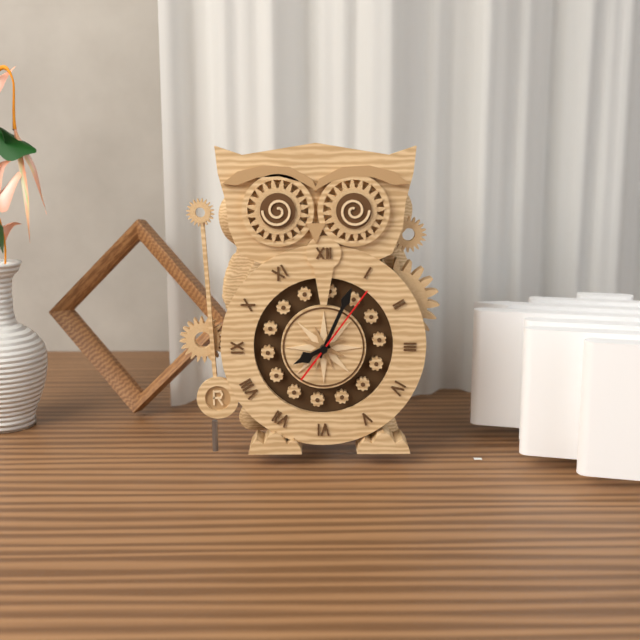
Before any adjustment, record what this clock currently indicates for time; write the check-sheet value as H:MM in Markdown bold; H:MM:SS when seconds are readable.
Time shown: **8:04:06**
